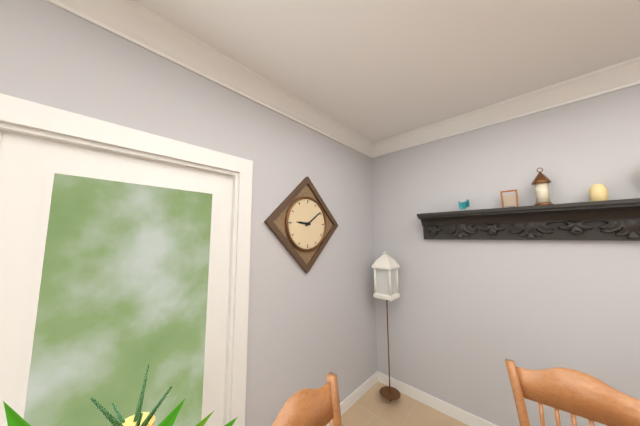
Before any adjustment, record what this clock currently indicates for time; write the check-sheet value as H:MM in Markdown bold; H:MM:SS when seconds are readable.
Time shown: **9:09**
